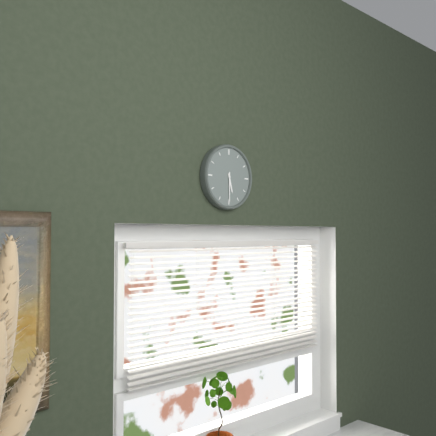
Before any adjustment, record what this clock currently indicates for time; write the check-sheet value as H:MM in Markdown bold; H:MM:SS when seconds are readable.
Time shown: **5:30**
